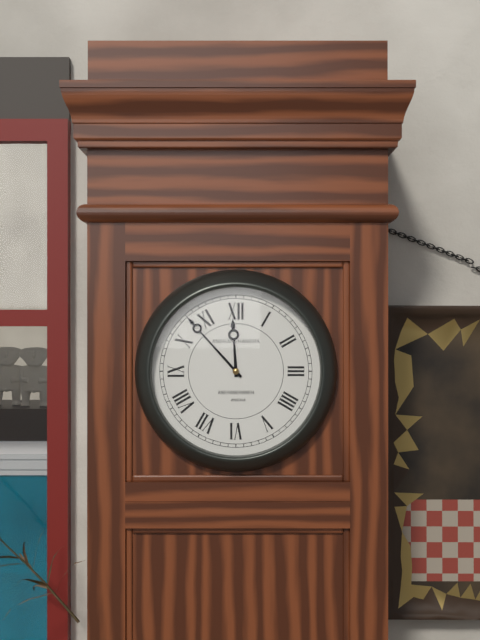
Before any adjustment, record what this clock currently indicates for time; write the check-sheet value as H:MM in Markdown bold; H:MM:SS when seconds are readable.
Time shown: **11:53**
